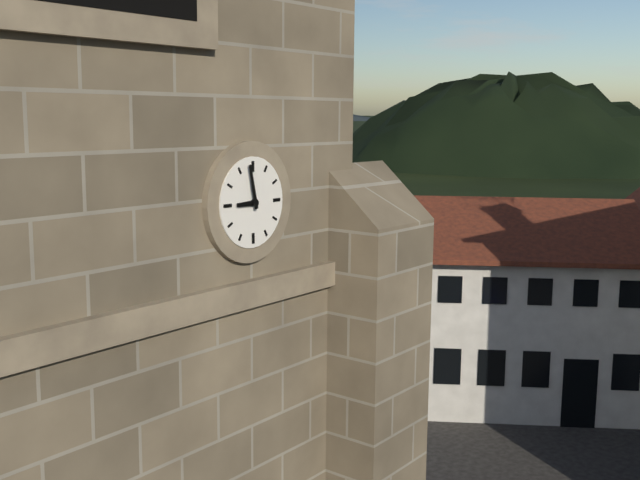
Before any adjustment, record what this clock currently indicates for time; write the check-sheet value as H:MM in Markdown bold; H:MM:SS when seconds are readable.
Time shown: **8:58**
